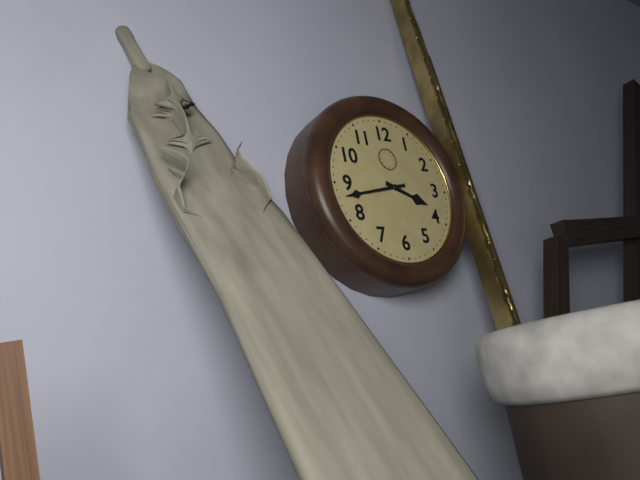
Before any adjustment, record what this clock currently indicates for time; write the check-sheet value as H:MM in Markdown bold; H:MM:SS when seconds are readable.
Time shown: **3:43**
